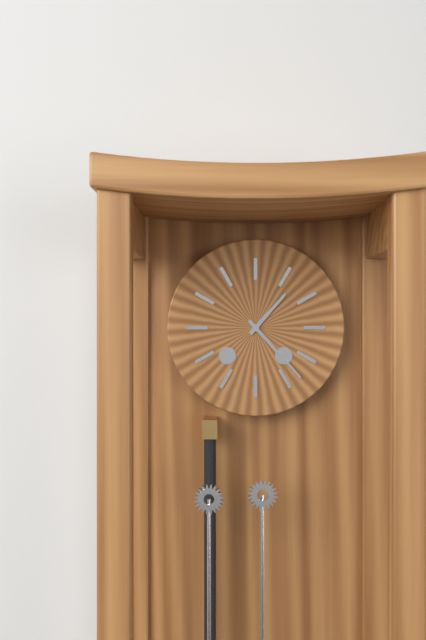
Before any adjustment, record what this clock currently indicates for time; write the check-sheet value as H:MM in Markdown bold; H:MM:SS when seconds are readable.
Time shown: **1:23**
